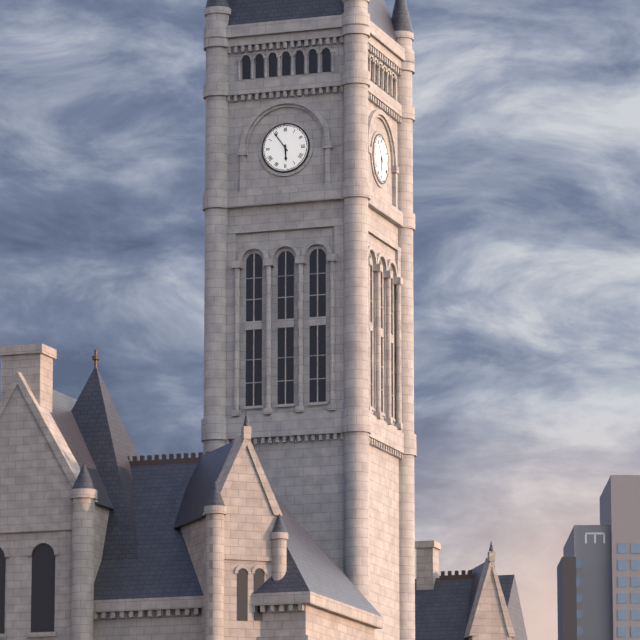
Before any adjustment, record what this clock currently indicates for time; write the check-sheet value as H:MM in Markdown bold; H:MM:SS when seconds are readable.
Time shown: **5:54**
